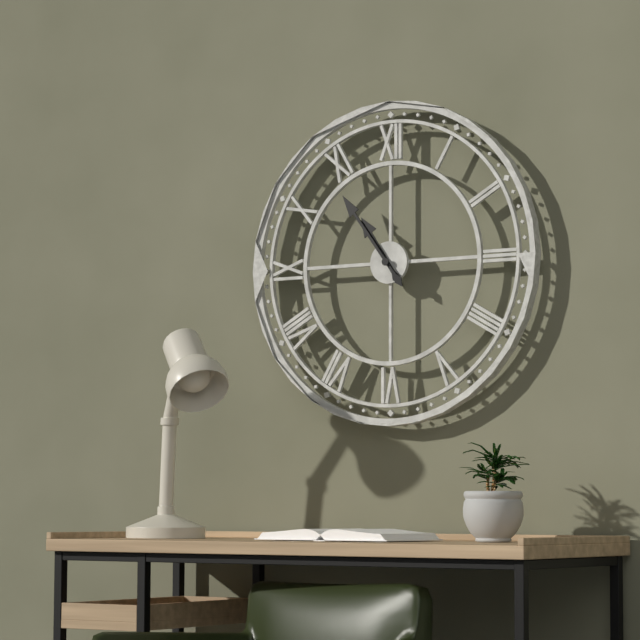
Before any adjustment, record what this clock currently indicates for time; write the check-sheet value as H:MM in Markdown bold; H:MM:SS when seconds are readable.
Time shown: **10:54**
